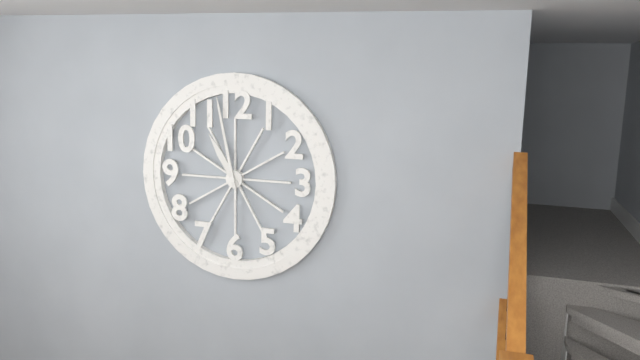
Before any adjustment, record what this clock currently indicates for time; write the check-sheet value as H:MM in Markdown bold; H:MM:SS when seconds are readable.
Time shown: **10:58**
